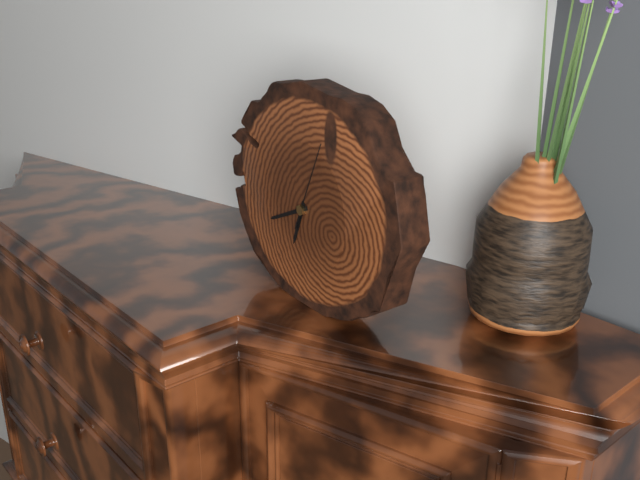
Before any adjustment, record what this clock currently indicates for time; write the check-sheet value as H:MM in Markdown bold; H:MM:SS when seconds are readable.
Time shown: **6:41:04**
